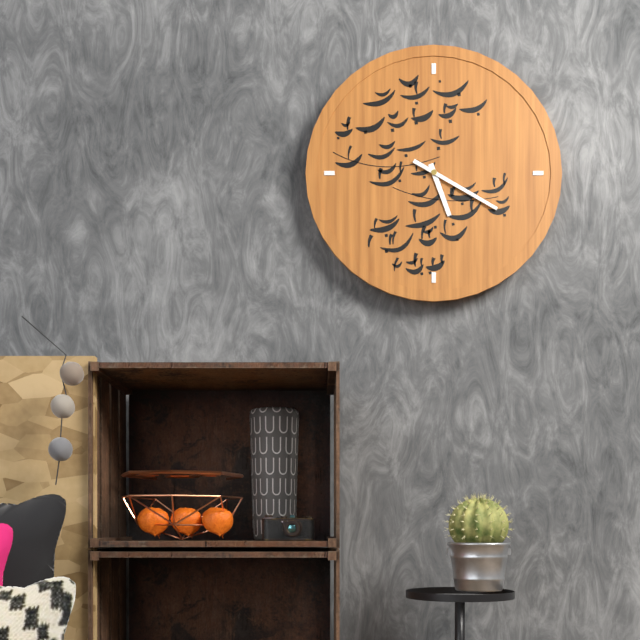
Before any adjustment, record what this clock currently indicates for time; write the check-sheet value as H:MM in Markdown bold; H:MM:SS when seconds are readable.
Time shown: **5:20**
